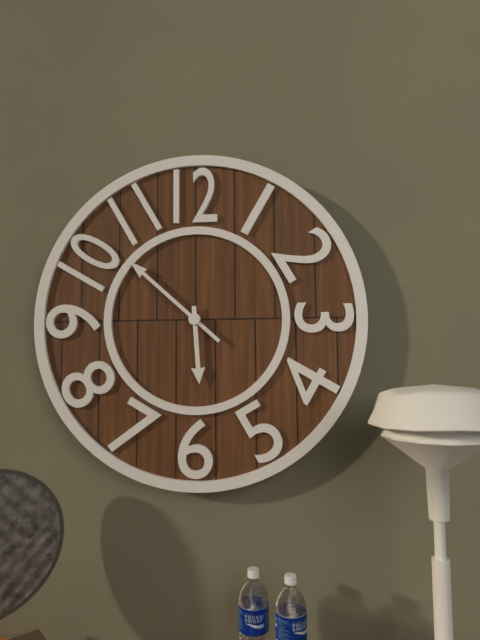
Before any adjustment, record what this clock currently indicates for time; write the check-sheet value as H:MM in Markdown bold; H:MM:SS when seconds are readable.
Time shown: **5:52**
